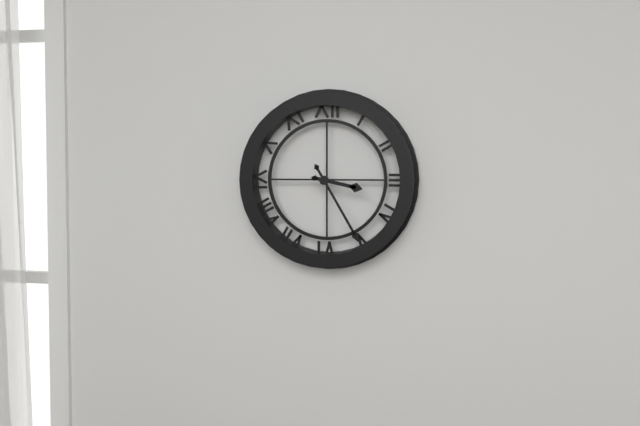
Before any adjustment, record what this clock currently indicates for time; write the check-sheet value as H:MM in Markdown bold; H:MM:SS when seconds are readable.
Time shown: **3:25**
